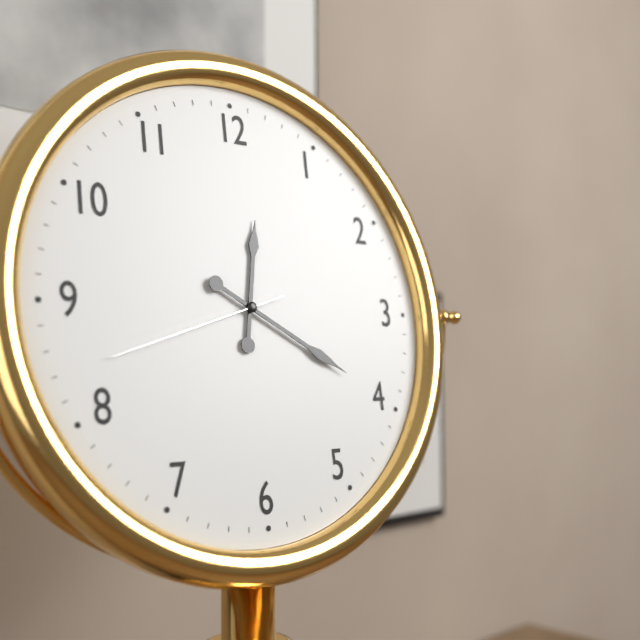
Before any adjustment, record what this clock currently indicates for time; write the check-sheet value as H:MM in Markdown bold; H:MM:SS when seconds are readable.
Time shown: **12:20:42**
